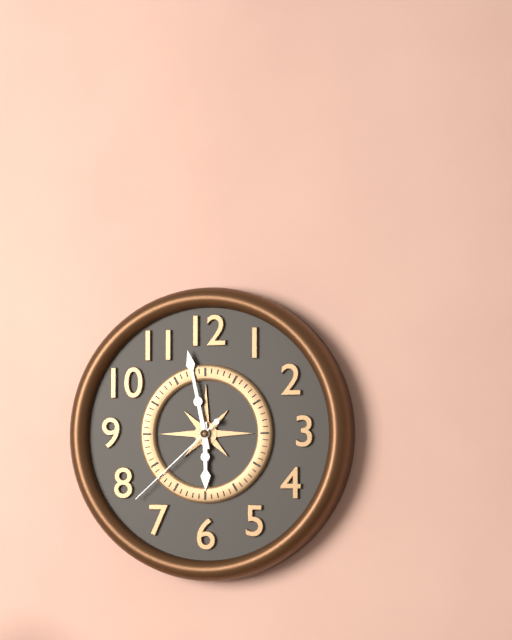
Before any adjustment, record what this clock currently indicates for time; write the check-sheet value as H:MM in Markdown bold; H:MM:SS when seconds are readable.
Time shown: **5:58:38**
